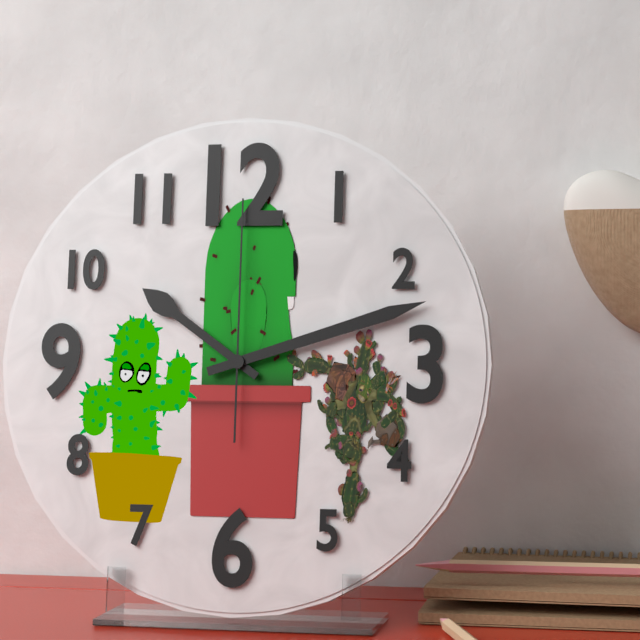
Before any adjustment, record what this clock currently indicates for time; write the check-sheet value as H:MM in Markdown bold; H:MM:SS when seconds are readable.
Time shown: **10:12:00**
